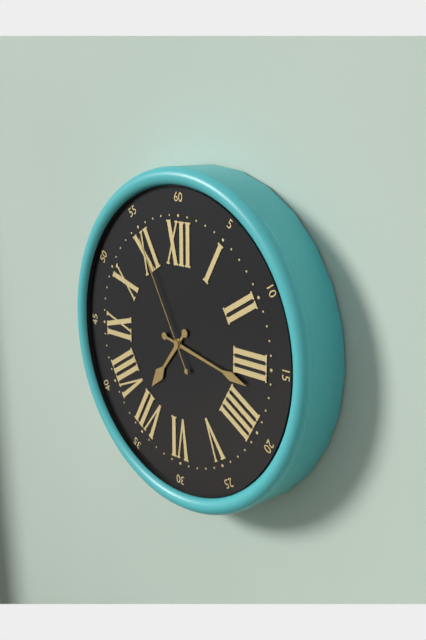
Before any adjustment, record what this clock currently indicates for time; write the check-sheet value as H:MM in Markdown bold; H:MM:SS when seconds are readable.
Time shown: **7:17:55**
